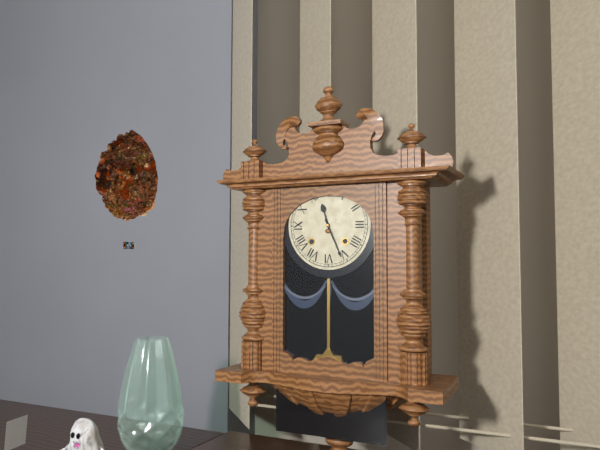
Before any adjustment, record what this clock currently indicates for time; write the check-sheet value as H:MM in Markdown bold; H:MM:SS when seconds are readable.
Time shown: **11:26**
